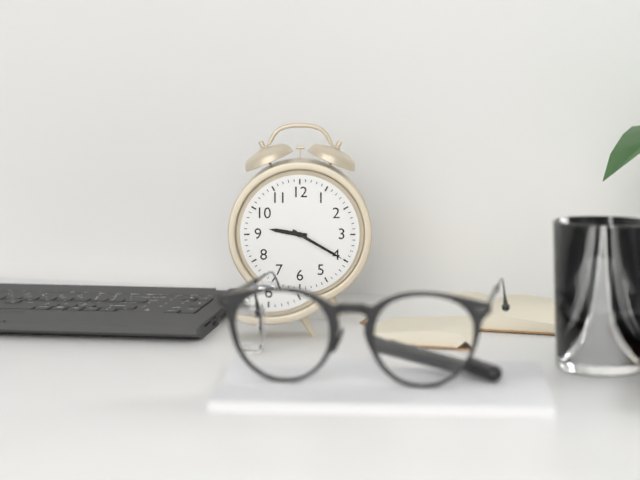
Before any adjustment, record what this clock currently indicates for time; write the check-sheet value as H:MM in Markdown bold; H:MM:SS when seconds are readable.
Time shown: **9:20**
